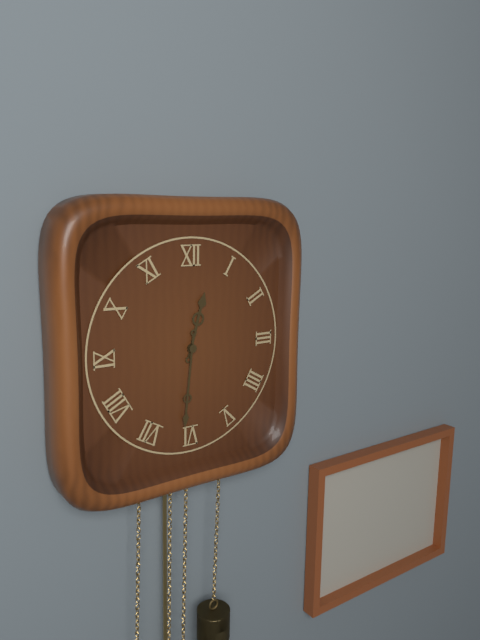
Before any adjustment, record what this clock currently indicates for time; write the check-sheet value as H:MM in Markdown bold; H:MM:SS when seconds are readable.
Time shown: **12:31**
